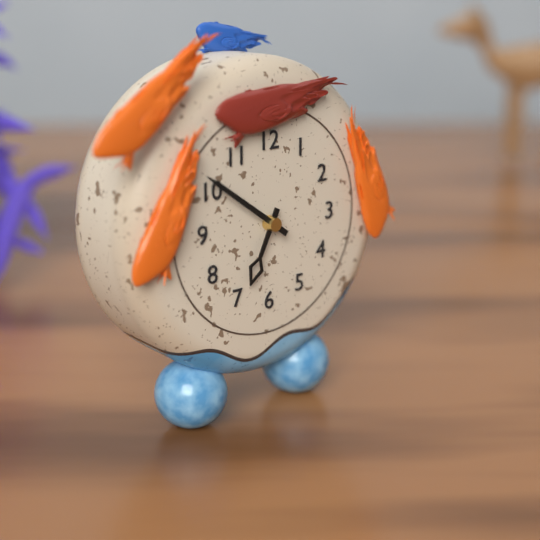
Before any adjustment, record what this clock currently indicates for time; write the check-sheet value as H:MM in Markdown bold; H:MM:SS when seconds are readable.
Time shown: **6:51**
